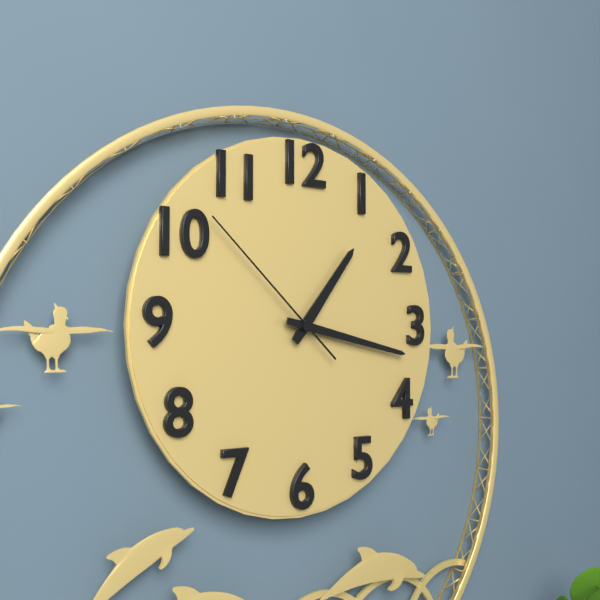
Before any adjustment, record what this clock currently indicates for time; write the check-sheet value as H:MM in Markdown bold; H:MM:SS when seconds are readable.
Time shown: **1:17:52**
